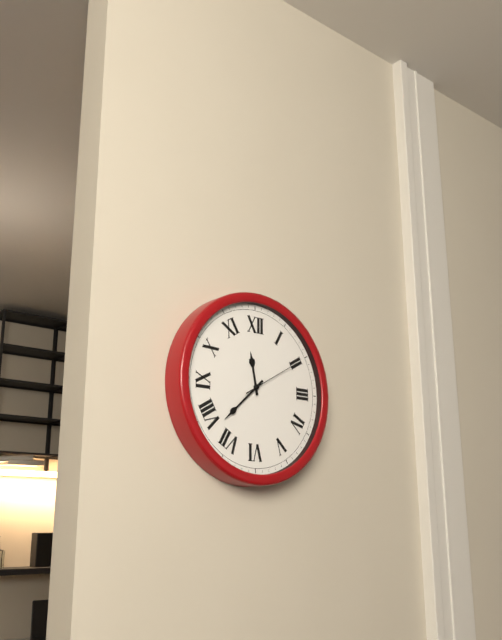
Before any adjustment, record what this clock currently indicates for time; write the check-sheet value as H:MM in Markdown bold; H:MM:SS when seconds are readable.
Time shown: **11:38:10**
